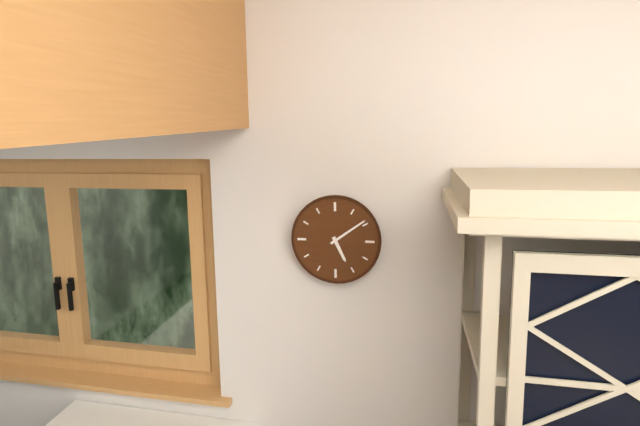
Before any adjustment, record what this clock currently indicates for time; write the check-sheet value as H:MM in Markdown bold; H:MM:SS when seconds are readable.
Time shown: **5:09**
